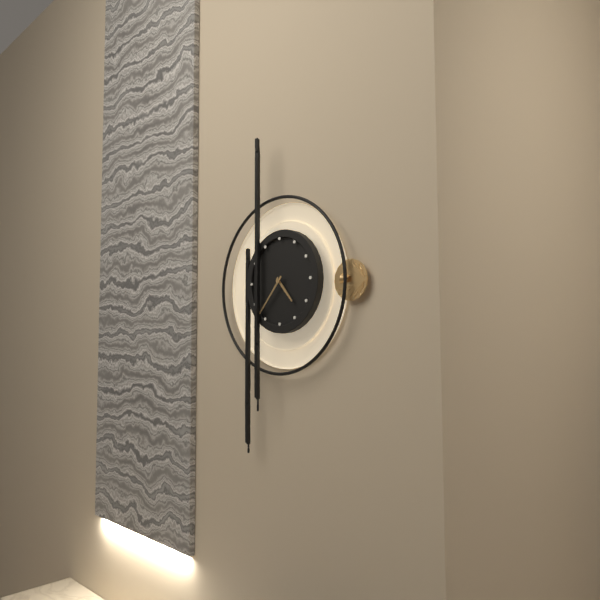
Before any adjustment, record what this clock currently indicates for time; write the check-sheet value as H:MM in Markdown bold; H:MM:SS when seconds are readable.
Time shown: **4:37**
